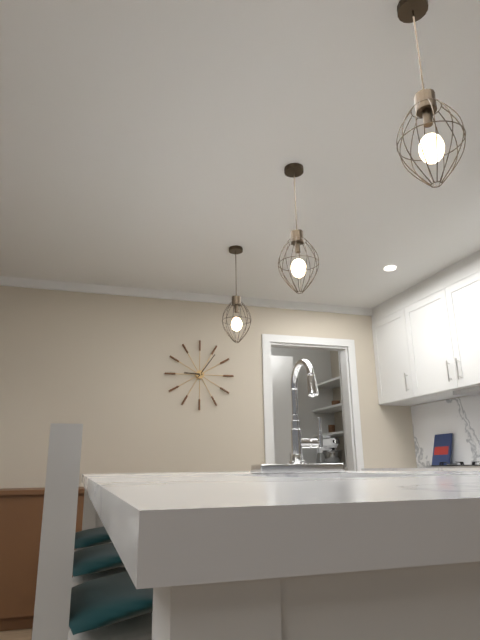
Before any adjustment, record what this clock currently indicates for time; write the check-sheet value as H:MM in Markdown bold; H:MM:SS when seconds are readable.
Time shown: **9:06**
